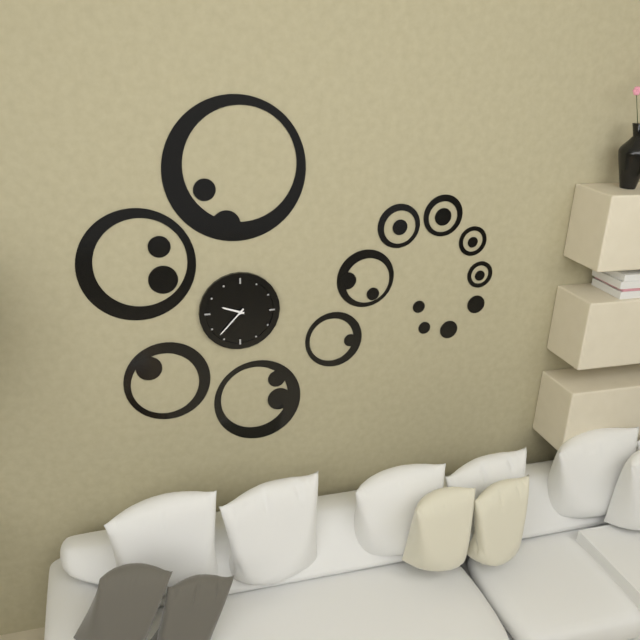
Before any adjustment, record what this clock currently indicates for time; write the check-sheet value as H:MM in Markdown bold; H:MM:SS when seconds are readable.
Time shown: **9:37**
